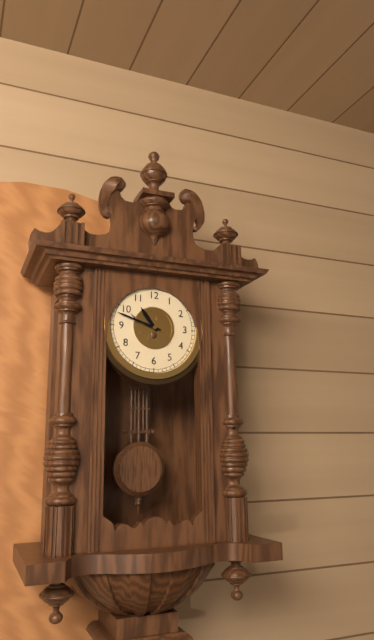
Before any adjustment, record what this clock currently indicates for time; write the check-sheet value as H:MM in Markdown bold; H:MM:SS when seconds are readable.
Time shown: **10:48**
